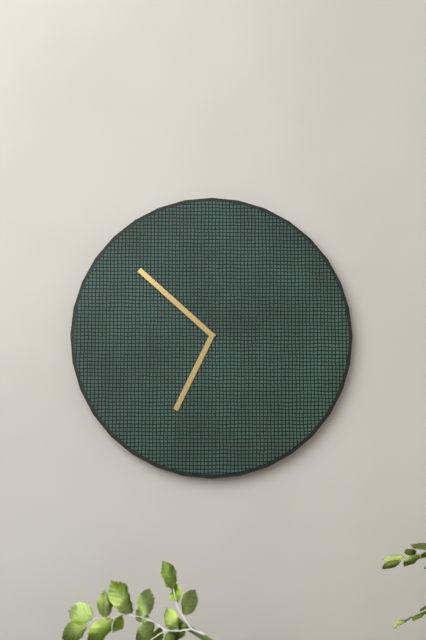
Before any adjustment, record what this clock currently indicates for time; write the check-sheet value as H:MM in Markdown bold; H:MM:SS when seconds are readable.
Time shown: **6:52**
